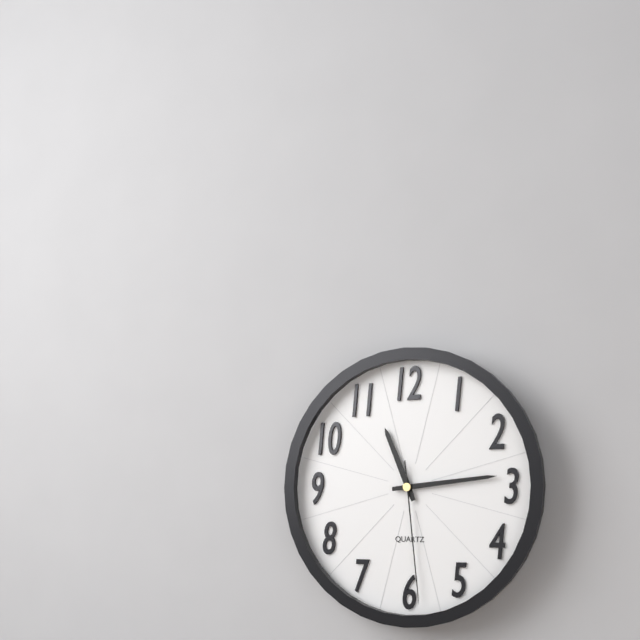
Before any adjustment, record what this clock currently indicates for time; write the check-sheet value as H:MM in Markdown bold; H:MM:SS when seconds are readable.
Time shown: **11:14:29**
